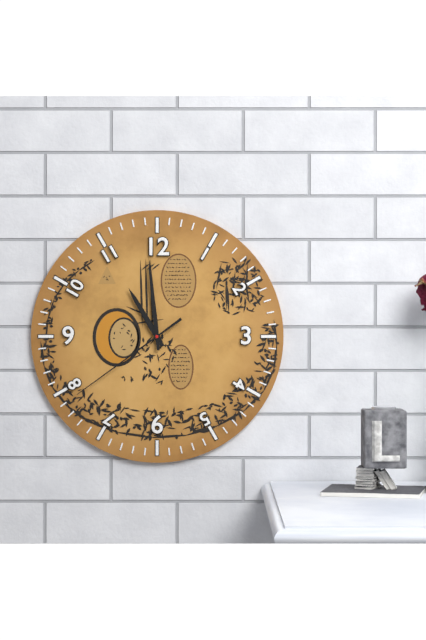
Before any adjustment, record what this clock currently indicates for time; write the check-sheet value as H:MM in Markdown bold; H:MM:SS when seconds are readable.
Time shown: **10:59:39**
